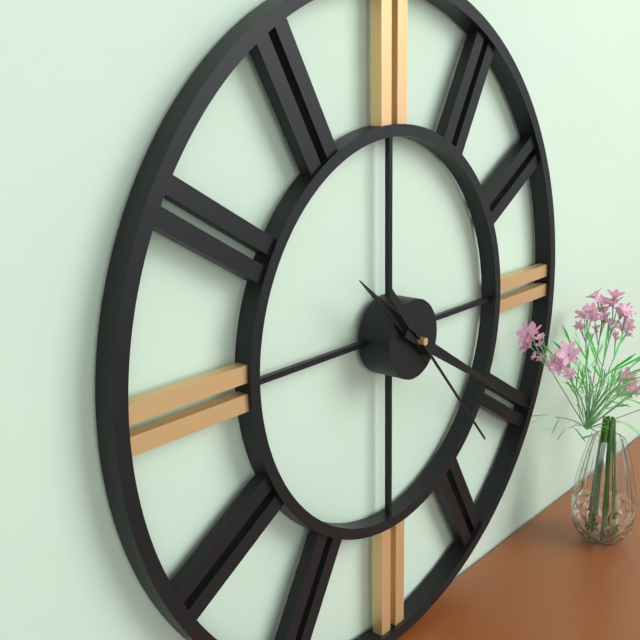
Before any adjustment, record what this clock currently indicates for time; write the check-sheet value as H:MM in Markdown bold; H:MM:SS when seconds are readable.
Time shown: **10:20:23**
